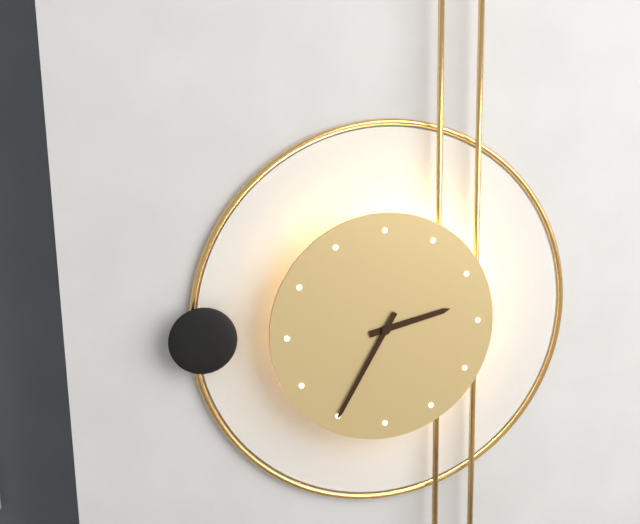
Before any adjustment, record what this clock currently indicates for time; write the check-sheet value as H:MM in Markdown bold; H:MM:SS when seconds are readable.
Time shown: **2:35**
